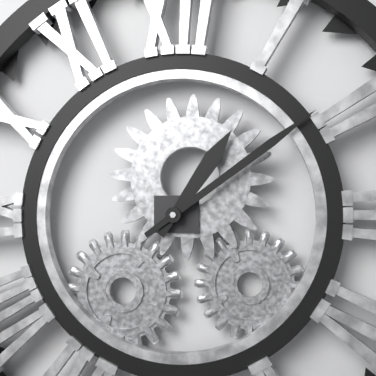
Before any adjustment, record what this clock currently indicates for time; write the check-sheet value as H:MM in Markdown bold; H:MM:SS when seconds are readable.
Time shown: **1:09**
